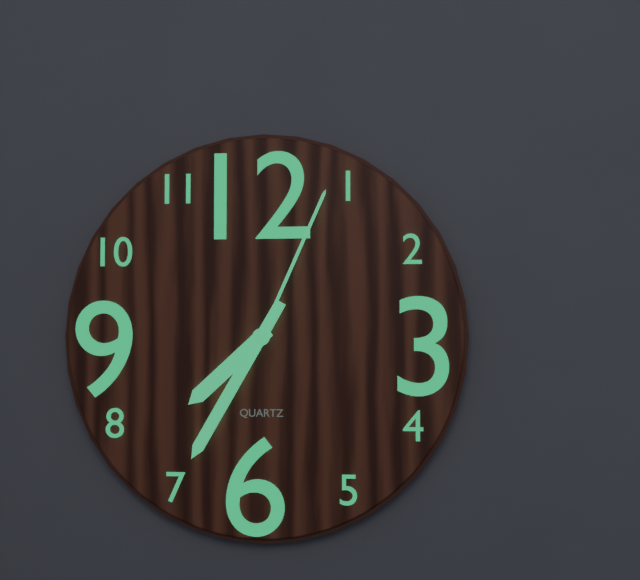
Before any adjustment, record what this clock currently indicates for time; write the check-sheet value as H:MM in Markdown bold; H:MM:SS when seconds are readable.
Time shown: **7:35:04**
